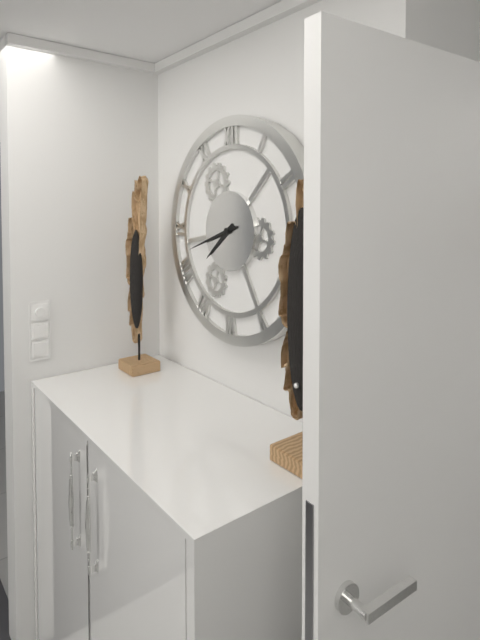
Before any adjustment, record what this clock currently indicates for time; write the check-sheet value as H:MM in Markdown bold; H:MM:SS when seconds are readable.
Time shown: **7:42**
